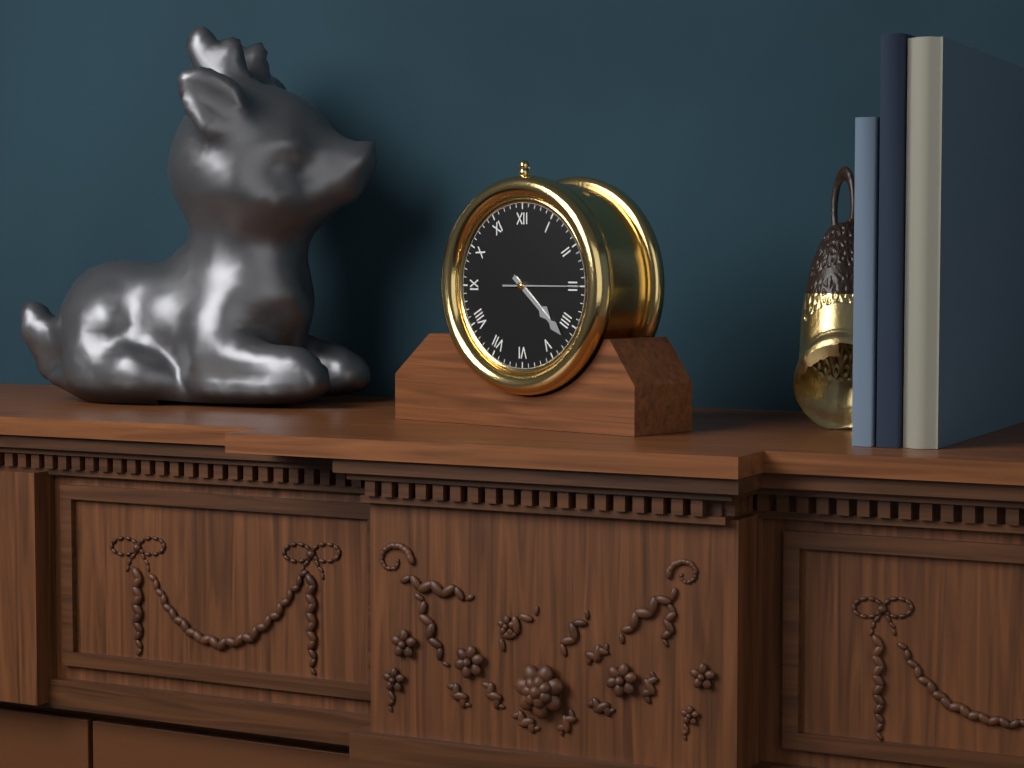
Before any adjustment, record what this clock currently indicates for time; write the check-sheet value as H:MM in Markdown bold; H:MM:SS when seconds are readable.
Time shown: **4:22**
